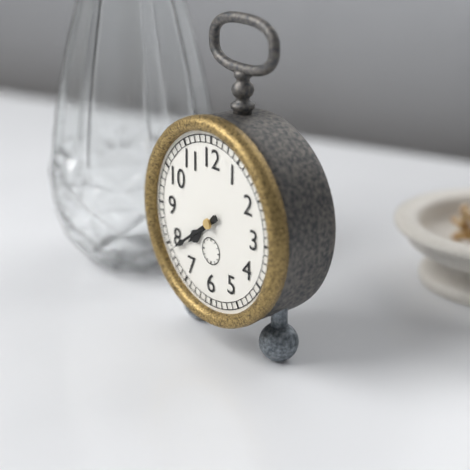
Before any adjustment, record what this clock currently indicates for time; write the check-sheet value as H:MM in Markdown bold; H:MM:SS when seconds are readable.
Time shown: **7:39**
